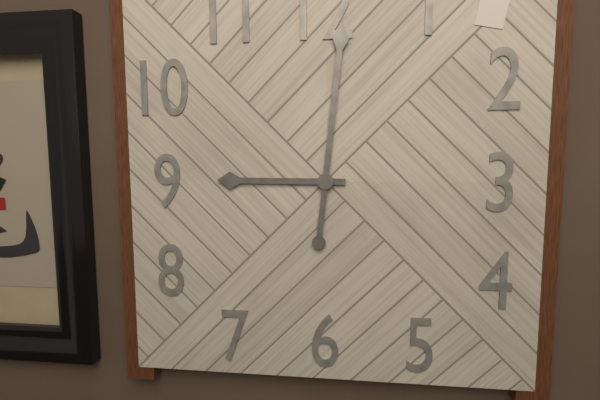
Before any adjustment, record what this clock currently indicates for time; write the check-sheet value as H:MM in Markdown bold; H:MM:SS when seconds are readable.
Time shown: **9:01**
